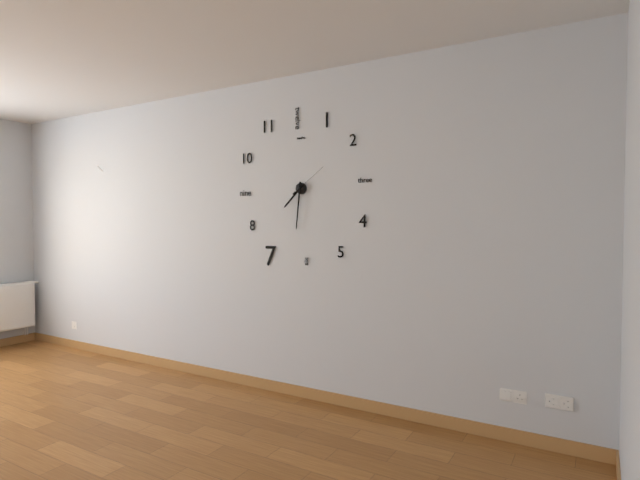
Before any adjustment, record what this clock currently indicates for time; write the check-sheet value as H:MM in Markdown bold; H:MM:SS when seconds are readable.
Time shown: **7:31**
